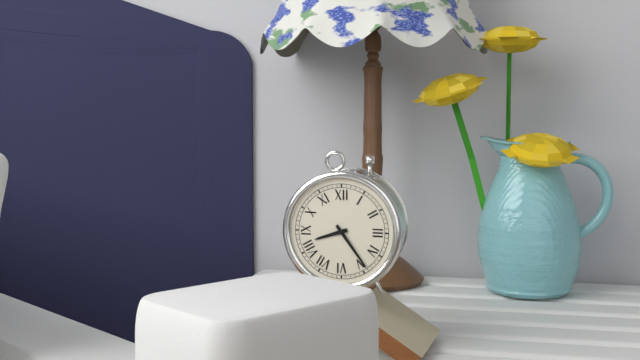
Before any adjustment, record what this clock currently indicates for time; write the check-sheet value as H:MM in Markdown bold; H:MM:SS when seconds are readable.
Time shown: **8:24**
